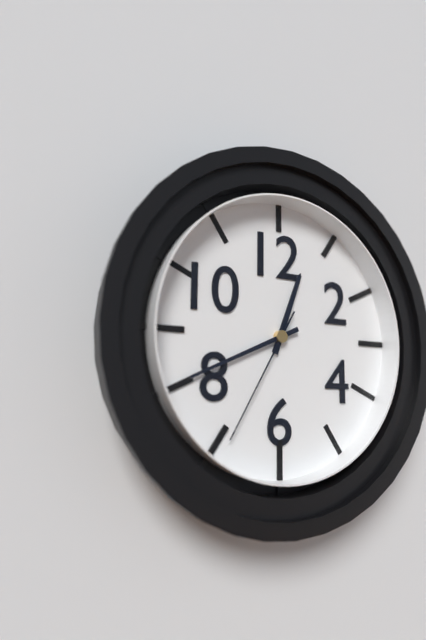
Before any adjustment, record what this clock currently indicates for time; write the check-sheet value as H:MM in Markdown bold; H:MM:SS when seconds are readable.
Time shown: **12:41:35**
